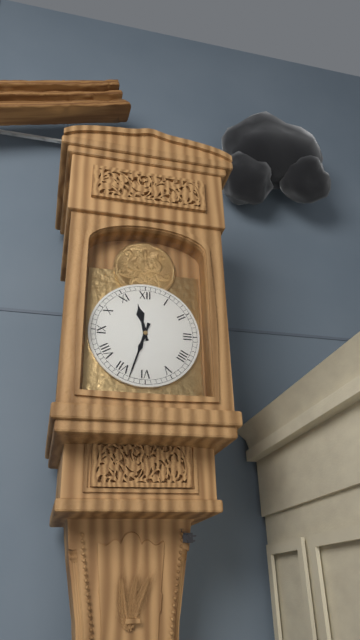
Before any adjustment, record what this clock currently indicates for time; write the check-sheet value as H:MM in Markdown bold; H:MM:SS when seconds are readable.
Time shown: **11:33**
